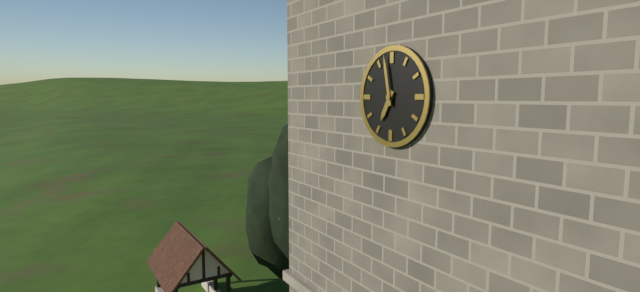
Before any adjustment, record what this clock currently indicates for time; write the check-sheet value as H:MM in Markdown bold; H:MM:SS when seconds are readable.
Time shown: **6:58**
